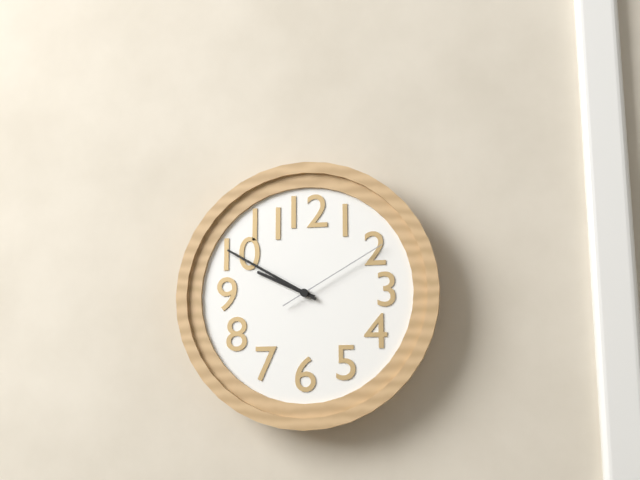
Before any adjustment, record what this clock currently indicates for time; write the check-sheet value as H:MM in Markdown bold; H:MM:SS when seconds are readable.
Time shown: **9:50:10**
